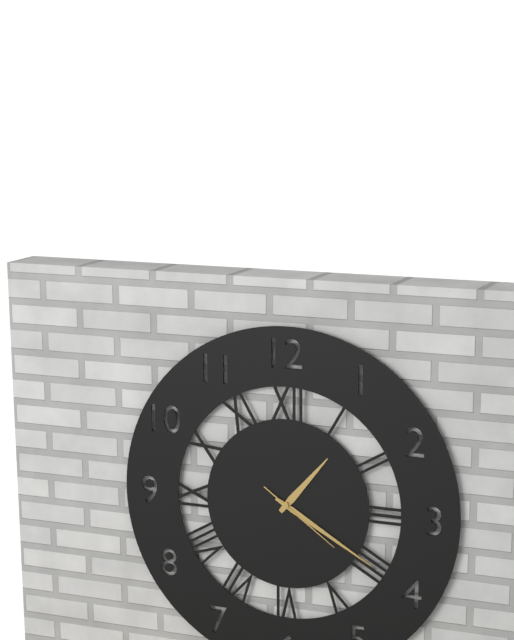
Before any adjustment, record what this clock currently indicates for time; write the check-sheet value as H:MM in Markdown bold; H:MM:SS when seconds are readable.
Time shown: **1:20:21**
